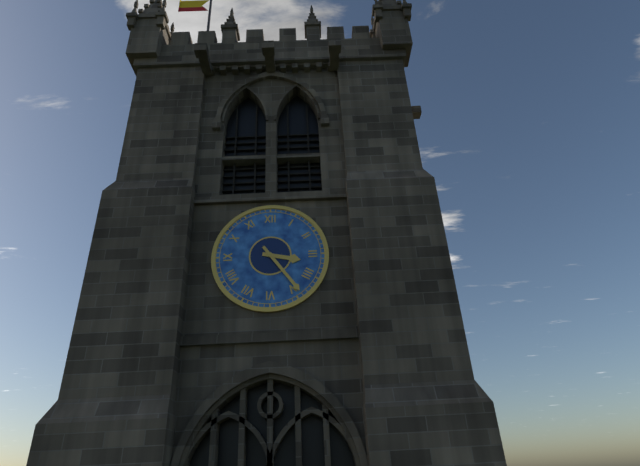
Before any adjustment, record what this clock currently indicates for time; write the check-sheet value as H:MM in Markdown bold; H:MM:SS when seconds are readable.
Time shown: **3:24**
